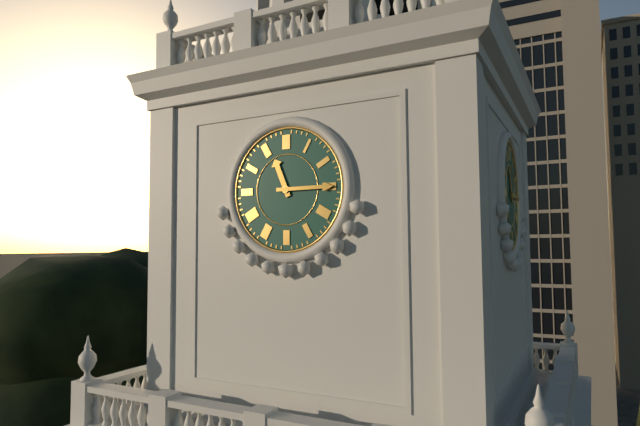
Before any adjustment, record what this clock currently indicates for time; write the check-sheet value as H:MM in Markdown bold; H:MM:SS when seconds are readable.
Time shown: **11:15**
